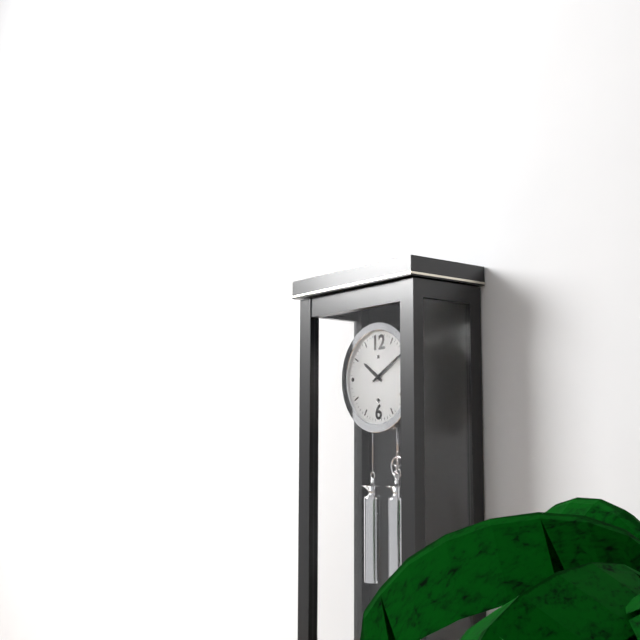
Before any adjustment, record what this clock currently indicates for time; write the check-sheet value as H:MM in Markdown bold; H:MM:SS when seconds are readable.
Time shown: **10:10**
